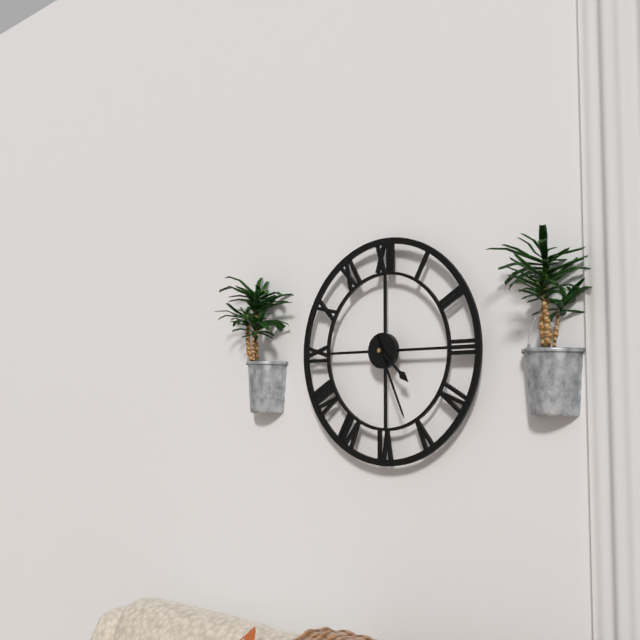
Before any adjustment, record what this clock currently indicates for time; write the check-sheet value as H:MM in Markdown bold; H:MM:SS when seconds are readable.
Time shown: **4:26**
